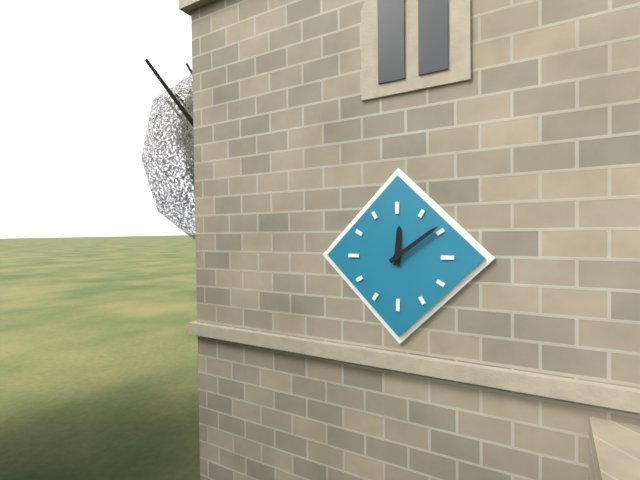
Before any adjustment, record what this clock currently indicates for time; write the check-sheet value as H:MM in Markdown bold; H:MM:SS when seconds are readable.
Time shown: **12:09**
